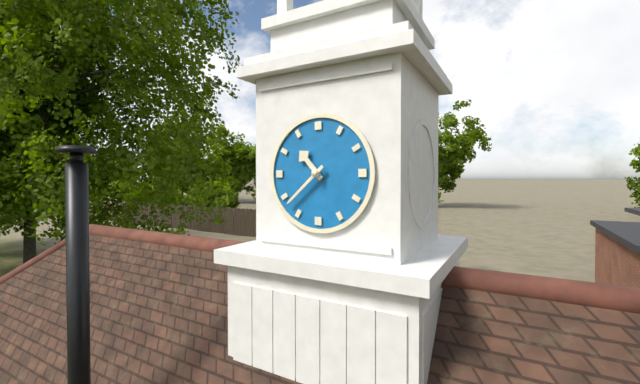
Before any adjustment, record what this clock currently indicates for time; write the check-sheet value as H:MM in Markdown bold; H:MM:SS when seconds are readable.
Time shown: **10:38**
